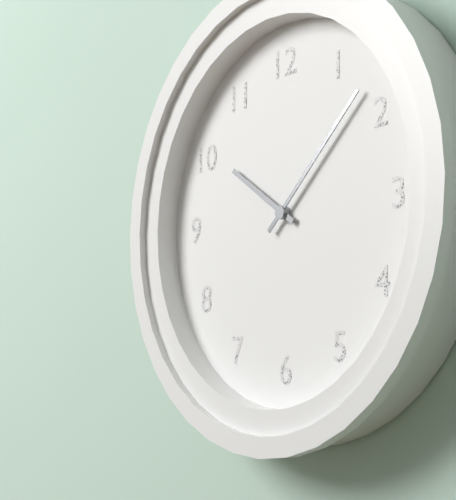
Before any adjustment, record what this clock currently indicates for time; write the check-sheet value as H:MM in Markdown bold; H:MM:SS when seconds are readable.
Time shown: **10:08**
